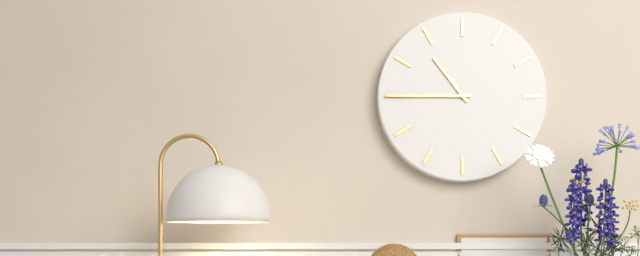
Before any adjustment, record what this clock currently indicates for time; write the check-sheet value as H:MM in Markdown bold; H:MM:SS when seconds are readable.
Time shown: **10:45**
